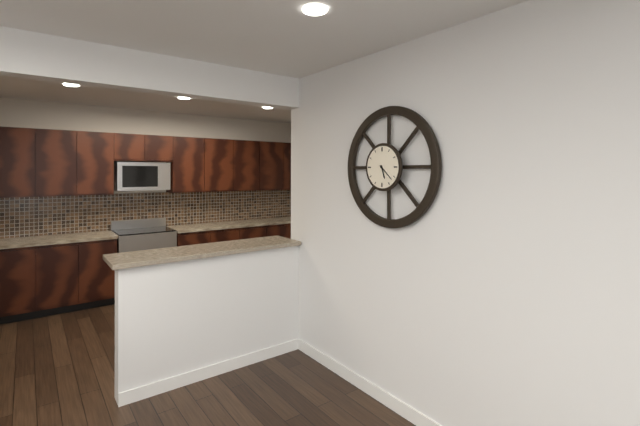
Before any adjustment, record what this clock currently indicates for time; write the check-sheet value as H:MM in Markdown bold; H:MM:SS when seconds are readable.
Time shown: **5:22**
